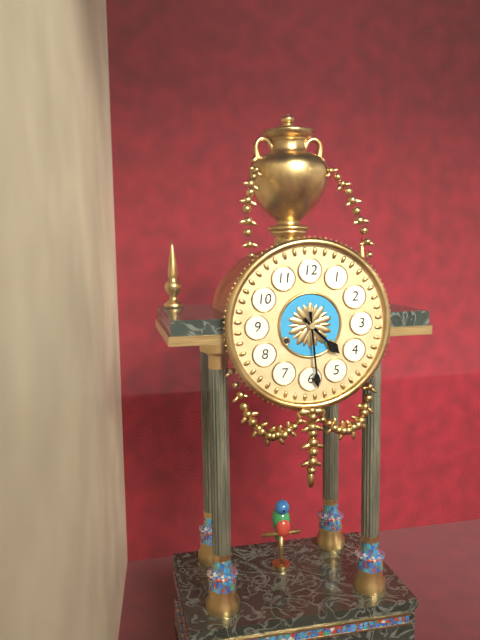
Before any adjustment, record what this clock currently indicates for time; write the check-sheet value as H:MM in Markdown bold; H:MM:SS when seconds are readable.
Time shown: **4:29**
